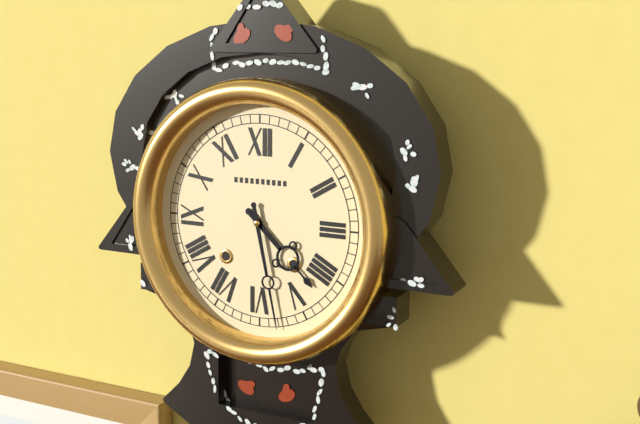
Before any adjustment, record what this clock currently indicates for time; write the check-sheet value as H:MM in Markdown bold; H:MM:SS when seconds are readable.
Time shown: **4:28**
